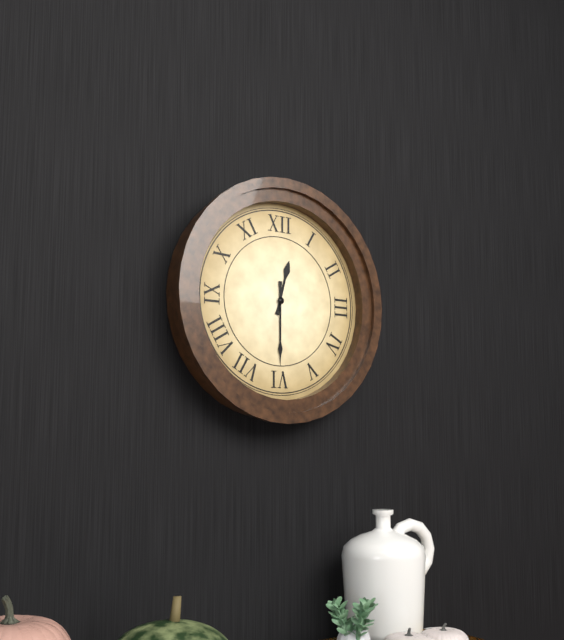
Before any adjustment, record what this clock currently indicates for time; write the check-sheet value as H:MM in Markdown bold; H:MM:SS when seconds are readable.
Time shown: **12:30**
